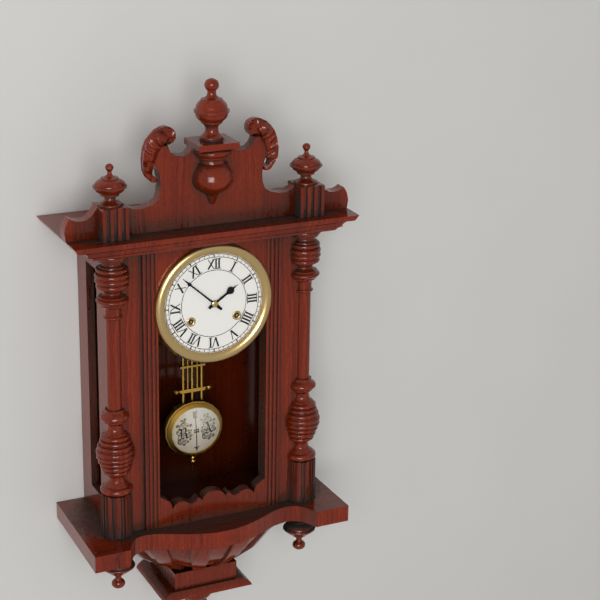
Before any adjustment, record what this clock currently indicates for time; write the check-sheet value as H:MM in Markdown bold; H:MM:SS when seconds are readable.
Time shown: **1:52**
